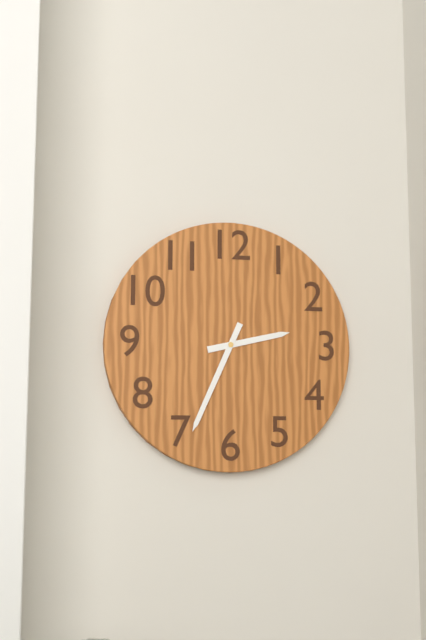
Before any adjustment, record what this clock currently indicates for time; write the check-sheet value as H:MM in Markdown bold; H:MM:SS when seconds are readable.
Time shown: **2:34**
